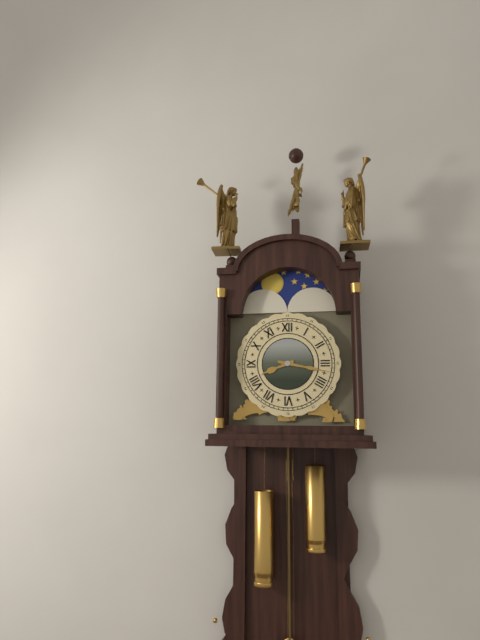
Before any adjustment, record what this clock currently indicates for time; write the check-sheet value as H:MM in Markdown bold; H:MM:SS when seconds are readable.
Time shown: **8:17**
